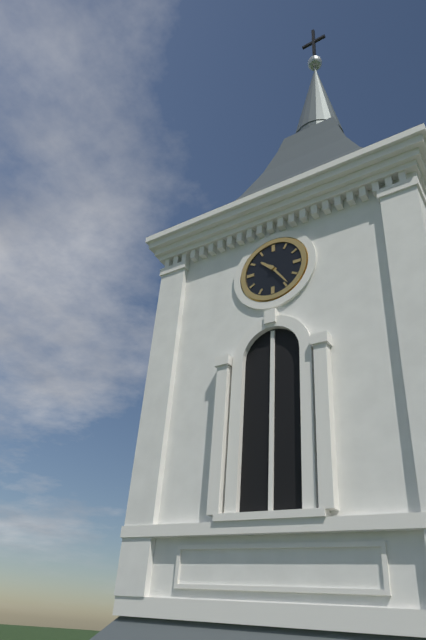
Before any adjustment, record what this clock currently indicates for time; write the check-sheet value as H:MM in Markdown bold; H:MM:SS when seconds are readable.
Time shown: **10:24**
